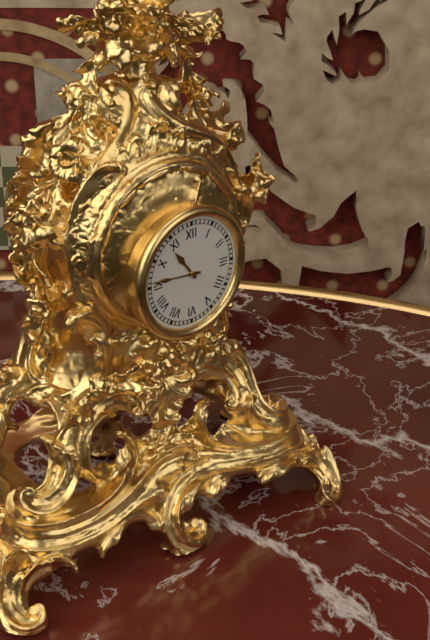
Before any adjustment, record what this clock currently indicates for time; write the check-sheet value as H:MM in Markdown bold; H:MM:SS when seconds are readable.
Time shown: **10:46**
